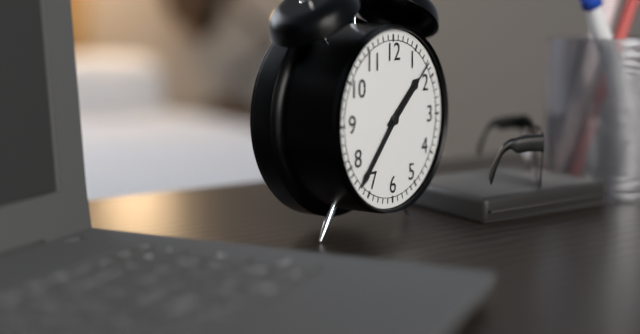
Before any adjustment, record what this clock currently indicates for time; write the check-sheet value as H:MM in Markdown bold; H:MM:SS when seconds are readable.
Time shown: **1:37:08**
